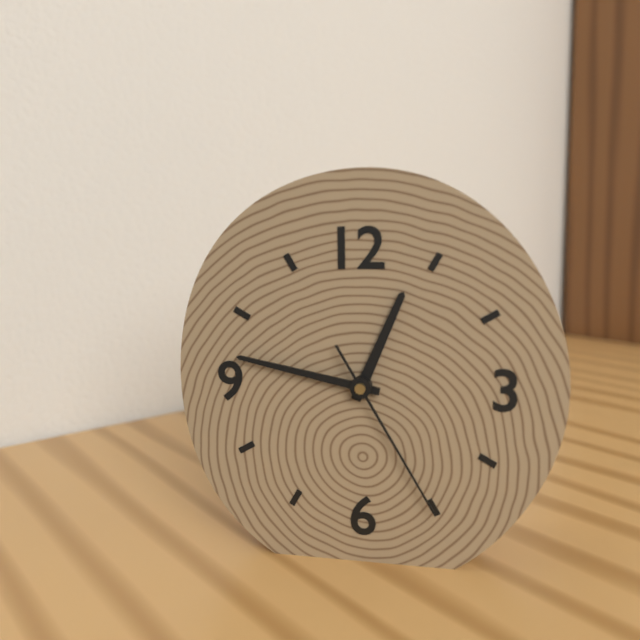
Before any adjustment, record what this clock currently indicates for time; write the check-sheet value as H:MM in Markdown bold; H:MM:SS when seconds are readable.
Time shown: **12:47:25**
